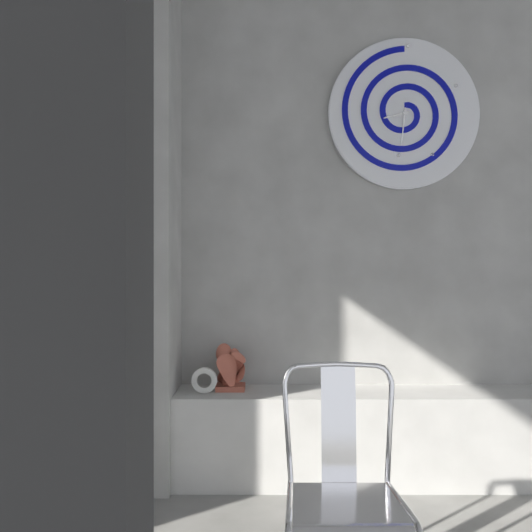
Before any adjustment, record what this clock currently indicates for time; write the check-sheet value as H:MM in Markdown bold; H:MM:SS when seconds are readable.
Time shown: **8:31**
